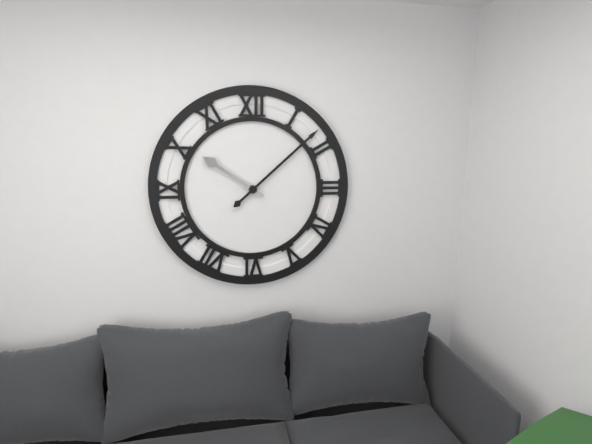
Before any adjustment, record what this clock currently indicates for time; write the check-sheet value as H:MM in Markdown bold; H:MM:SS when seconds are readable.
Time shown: **10:08**
